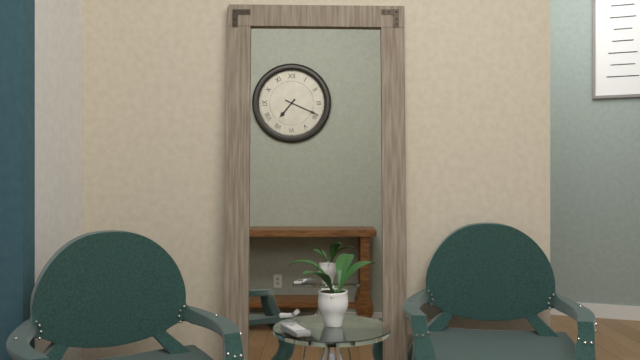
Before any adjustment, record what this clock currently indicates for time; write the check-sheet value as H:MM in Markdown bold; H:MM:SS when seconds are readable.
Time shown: **7:19**
